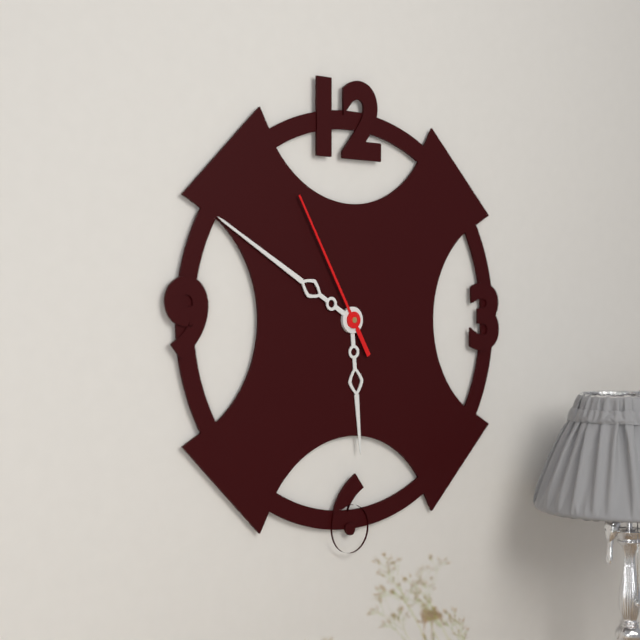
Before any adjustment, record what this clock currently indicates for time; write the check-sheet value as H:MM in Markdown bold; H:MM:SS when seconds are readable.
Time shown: **5:50:55**
